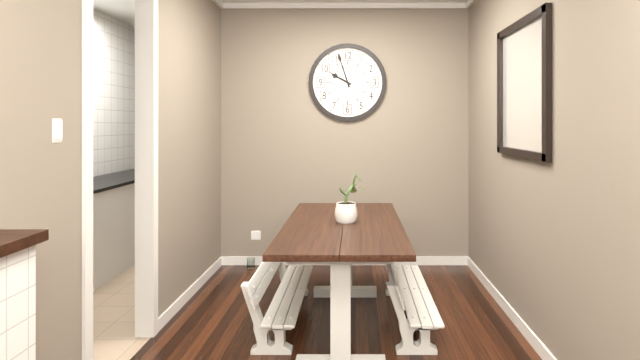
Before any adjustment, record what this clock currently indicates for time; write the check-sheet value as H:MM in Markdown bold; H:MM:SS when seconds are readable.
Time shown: **9:57**
